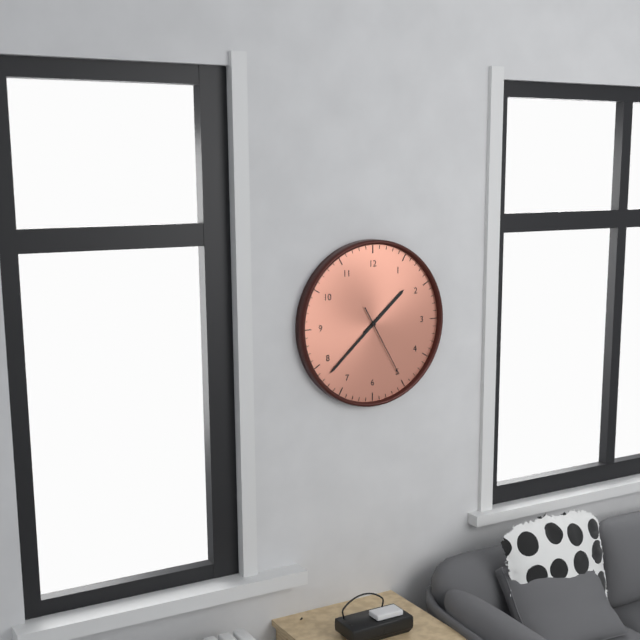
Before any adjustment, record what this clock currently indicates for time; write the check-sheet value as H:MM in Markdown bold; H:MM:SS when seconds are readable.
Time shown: **1:38:25**
